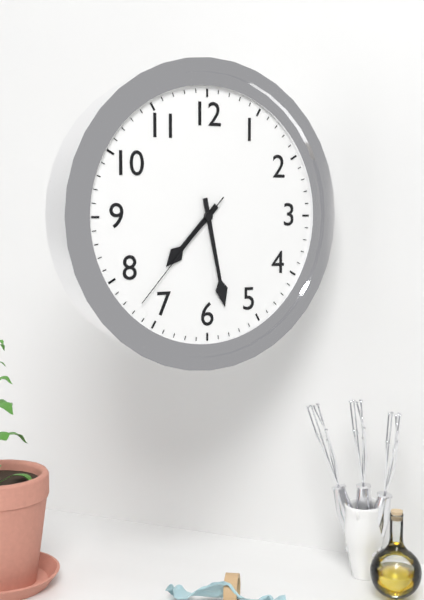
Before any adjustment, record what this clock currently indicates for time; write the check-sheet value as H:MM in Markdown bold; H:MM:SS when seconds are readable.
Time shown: **7:28:37**
